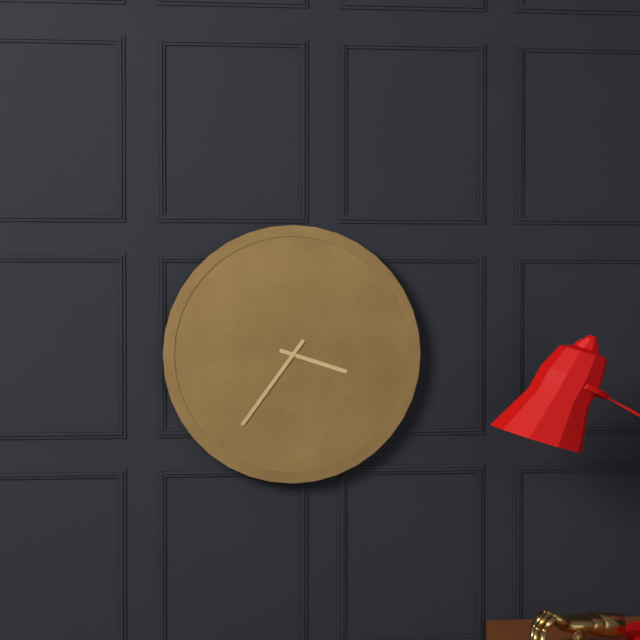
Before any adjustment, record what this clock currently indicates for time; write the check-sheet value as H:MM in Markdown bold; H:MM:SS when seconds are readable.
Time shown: **3:36**
